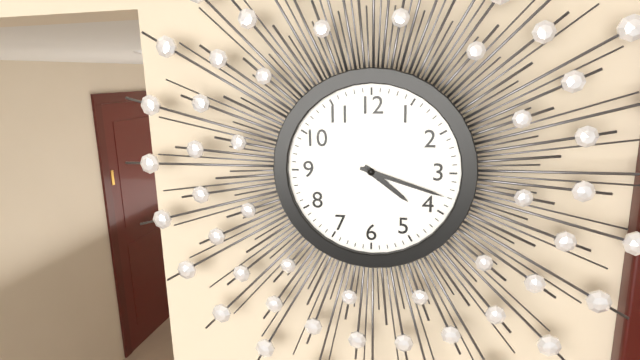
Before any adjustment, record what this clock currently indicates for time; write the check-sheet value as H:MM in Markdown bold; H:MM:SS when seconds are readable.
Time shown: **4:18**
